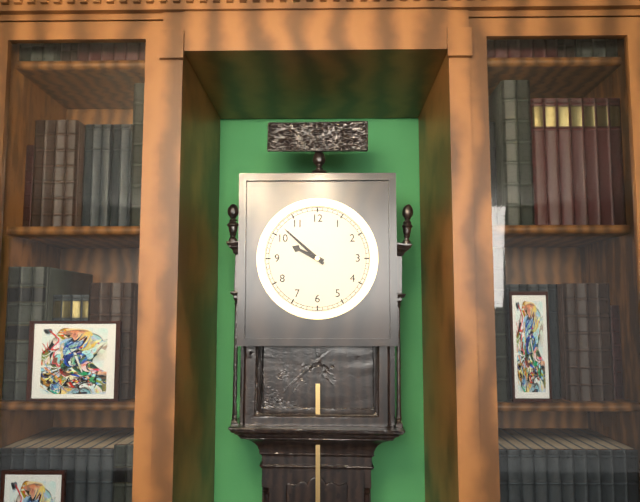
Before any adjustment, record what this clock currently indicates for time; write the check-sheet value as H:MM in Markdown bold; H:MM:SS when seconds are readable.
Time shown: **9:52**
